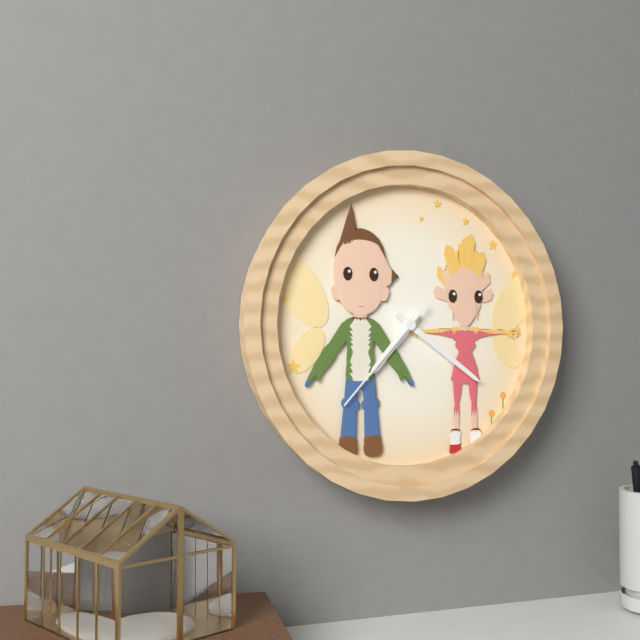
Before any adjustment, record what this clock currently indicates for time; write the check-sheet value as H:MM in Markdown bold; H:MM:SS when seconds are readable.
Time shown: **7:21:37**
